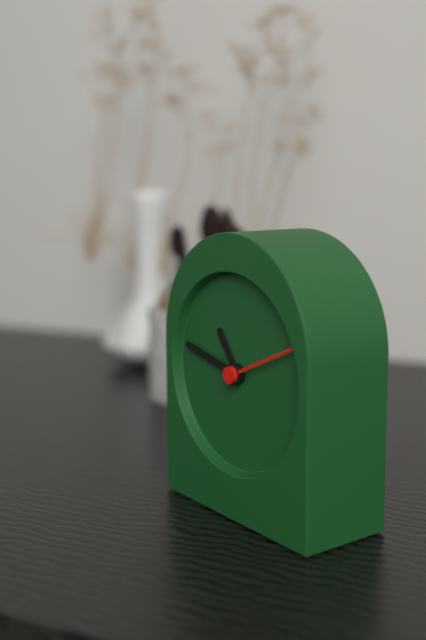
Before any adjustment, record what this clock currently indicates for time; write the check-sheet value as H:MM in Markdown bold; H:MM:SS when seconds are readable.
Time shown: **10:47:11**
